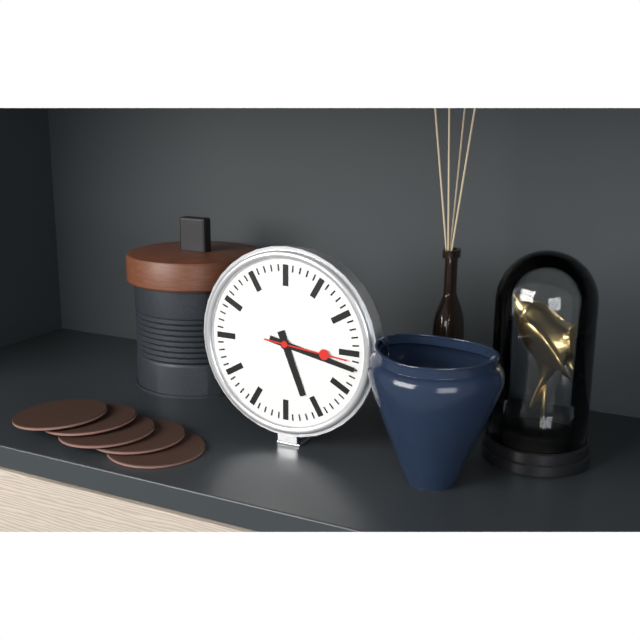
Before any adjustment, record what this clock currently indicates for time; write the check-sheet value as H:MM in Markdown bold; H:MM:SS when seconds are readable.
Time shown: **5:17:16**
